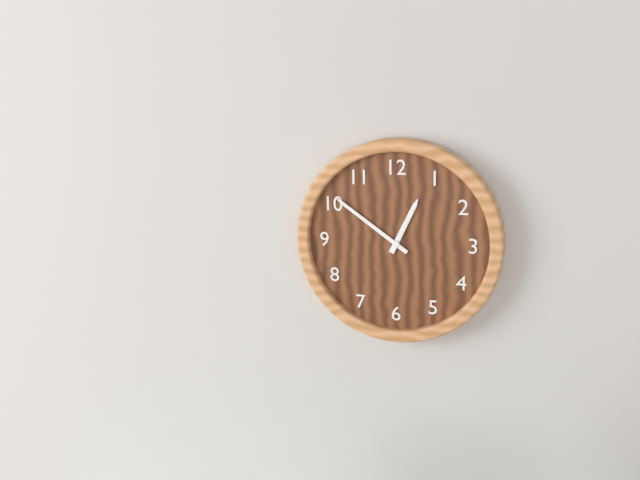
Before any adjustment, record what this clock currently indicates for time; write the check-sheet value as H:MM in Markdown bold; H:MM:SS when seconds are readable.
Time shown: **12:51**
